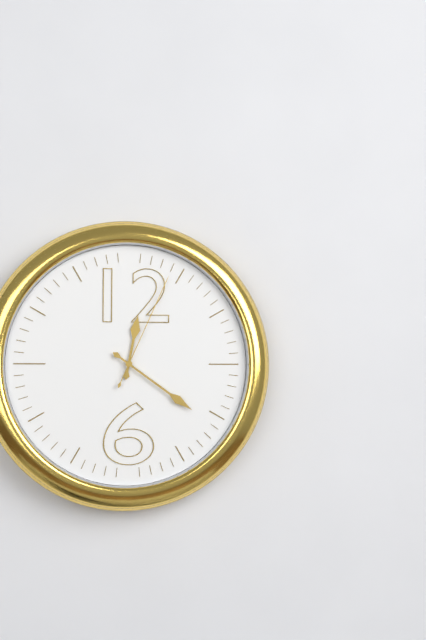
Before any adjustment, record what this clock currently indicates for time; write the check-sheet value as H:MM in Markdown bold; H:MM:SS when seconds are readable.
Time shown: **12:21:04**
